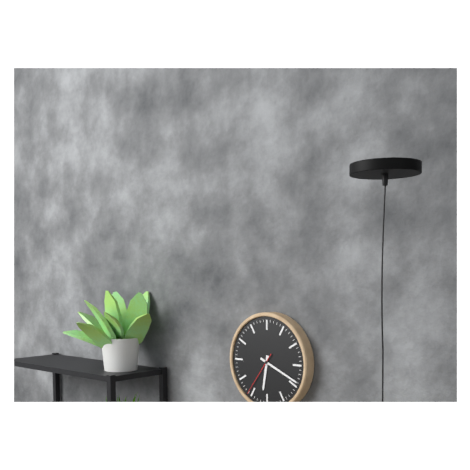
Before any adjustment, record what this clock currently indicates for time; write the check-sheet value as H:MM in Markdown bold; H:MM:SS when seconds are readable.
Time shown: **6:19:36**
